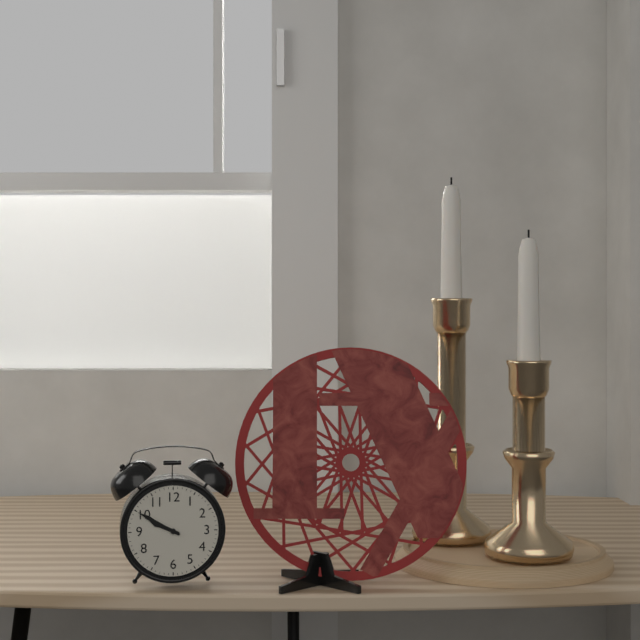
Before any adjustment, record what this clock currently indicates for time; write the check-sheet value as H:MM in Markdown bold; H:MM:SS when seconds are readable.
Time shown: **9:50**
